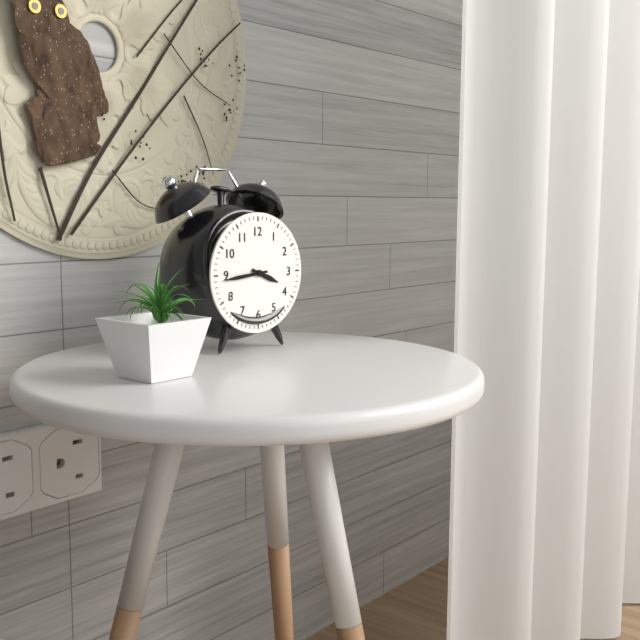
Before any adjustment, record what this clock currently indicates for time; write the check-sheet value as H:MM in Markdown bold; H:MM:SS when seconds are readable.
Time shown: **3:44**
